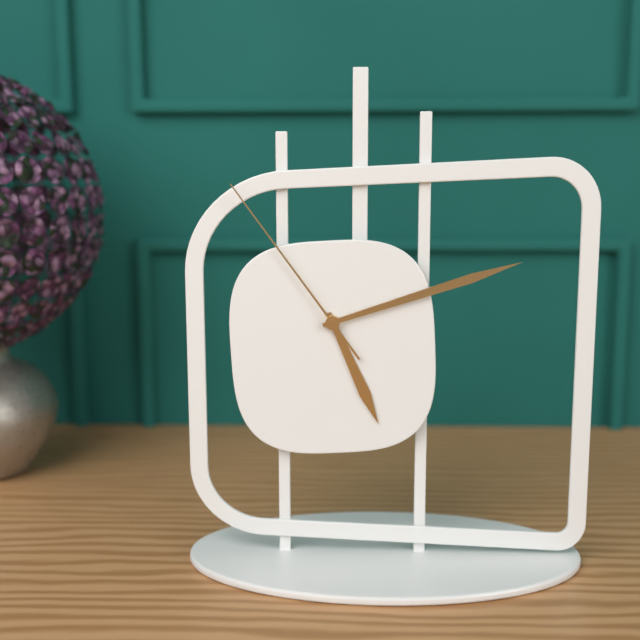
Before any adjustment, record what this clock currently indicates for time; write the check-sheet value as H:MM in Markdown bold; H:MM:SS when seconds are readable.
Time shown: **5:12:54**
